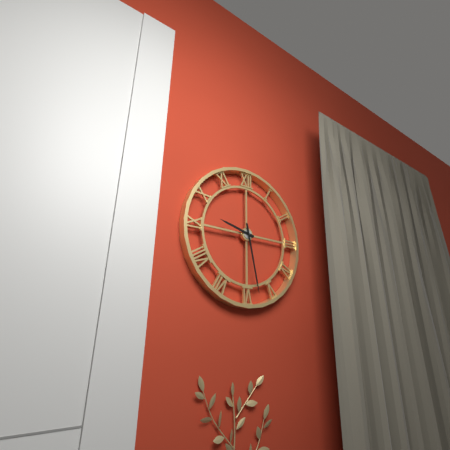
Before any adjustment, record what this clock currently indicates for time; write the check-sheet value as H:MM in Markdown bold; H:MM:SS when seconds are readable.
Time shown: **9:28**
